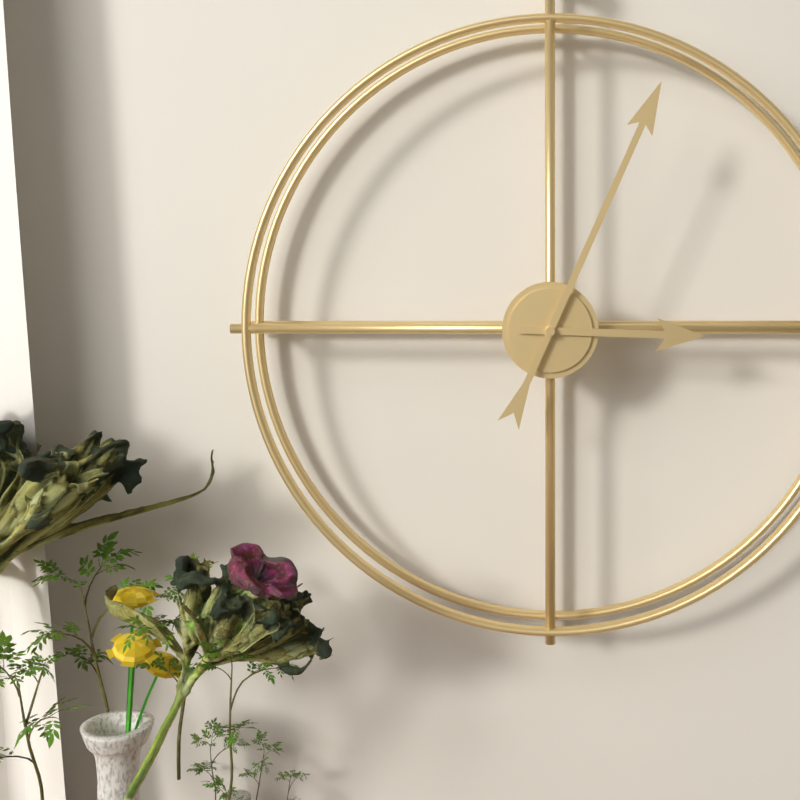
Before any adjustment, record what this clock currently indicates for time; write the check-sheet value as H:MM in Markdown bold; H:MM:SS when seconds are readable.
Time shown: **3:04**
